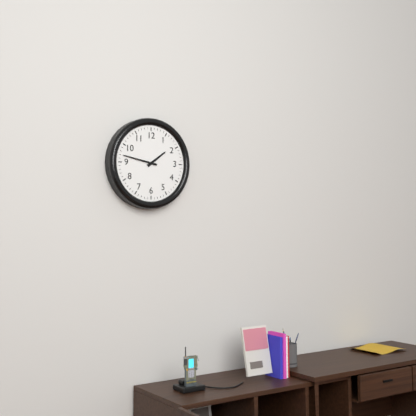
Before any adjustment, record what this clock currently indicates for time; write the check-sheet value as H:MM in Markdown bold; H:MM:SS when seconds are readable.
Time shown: **1:47**
